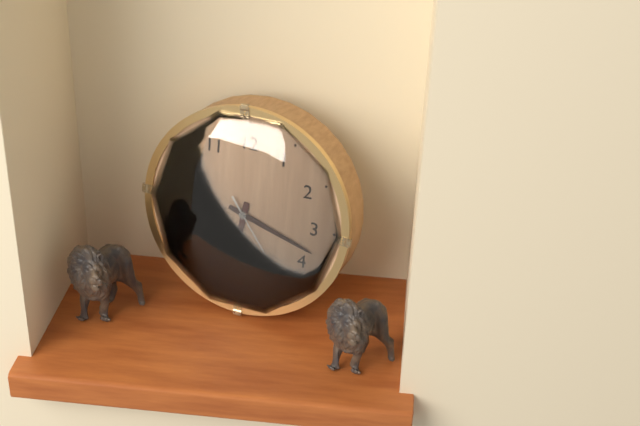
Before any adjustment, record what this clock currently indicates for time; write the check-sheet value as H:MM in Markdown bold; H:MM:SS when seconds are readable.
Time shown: **6:18:24**
